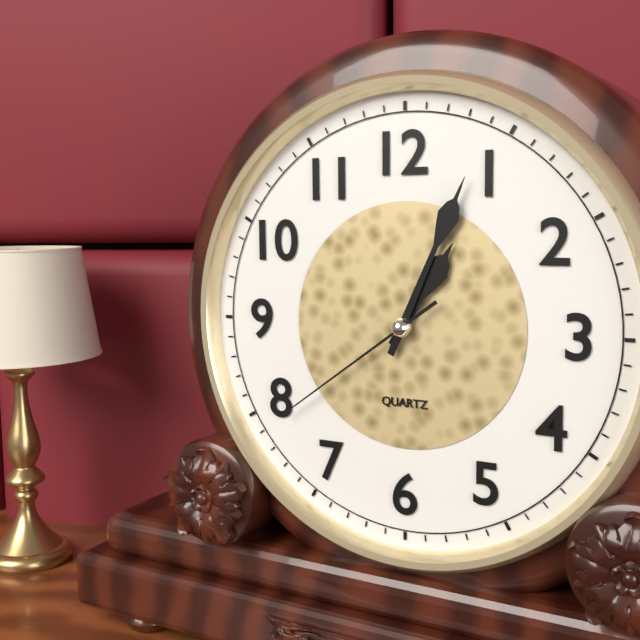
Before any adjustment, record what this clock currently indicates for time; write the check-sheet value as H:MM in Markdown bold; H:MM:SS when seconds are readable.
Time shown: **1:04:39**
